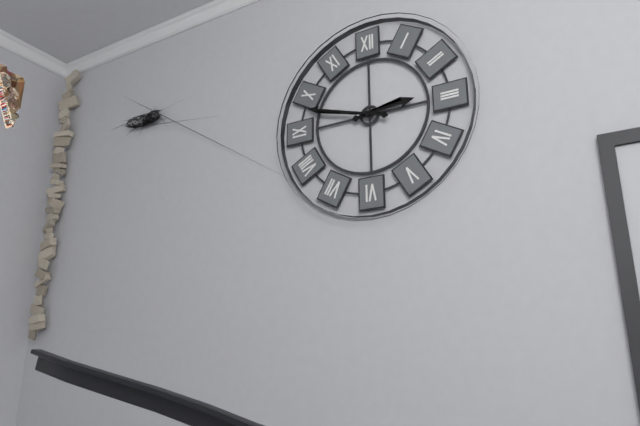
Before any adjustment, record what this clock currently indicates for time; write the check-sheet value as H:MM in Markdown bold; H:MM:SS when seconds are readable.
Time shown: **2:48**
